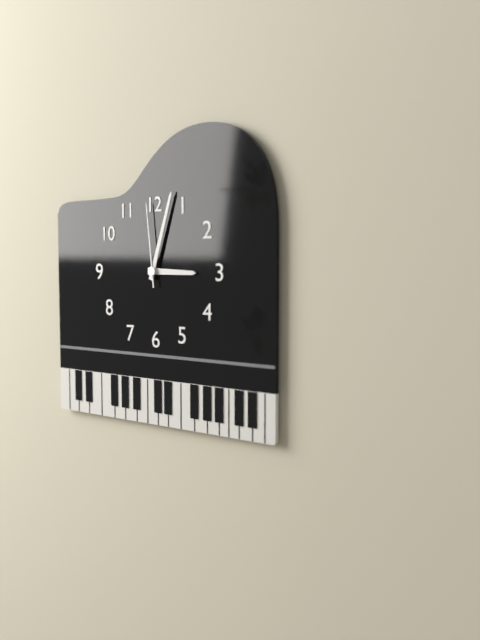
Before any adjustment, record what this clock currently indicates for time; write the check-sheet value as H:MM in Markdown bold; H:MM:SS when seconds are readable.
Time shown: **3:03:59**
